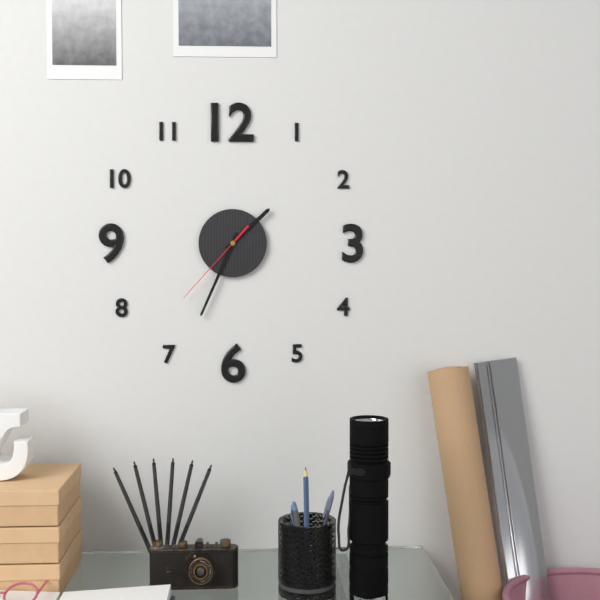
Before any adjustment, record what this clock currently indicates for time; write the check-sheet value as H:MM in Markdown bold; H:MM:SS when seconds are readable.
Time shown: **1:34:37**
